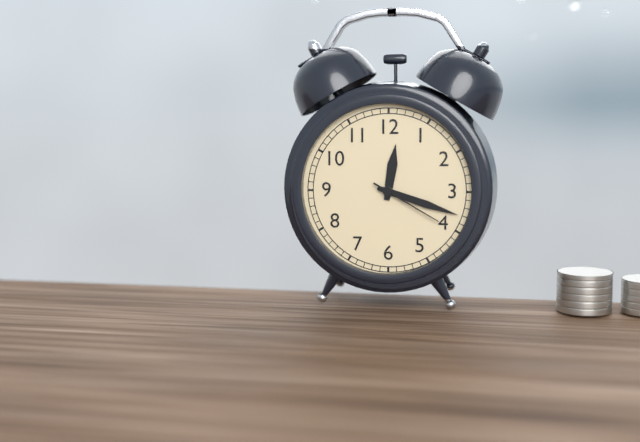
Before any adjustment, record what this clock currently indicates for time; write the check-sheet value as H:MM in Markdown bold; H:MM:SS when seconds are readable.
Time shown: **12:18:20**
